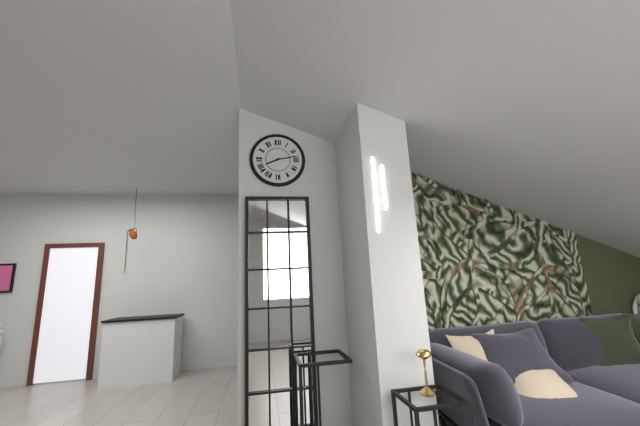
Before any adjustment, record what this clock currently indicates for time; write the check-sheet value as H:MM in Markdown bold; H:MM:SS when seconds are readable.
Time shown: **8:13**
